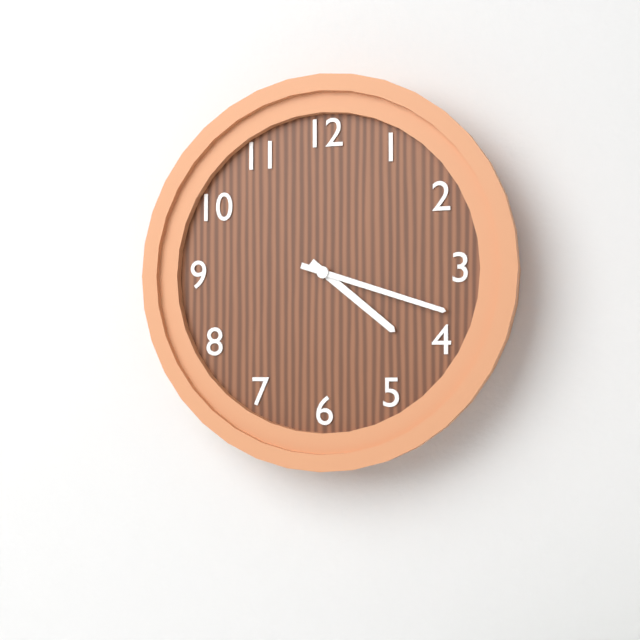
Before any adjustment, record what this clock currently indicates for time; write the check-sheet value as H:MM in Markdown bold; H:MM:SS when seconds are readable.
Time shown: **4:18**
